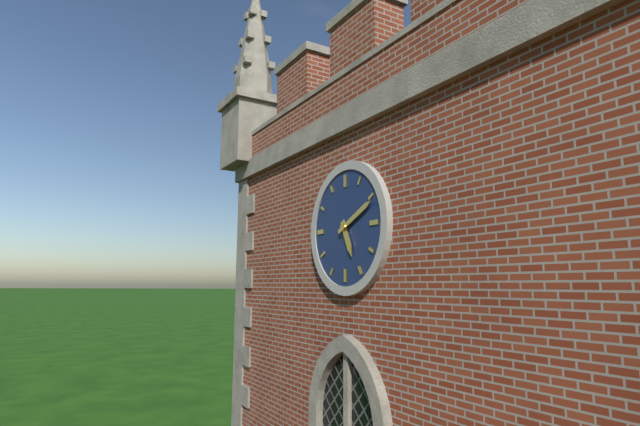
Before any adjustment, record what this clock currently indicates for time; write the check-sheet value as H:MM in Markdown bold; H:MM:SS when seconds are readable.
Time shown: **5:11**
